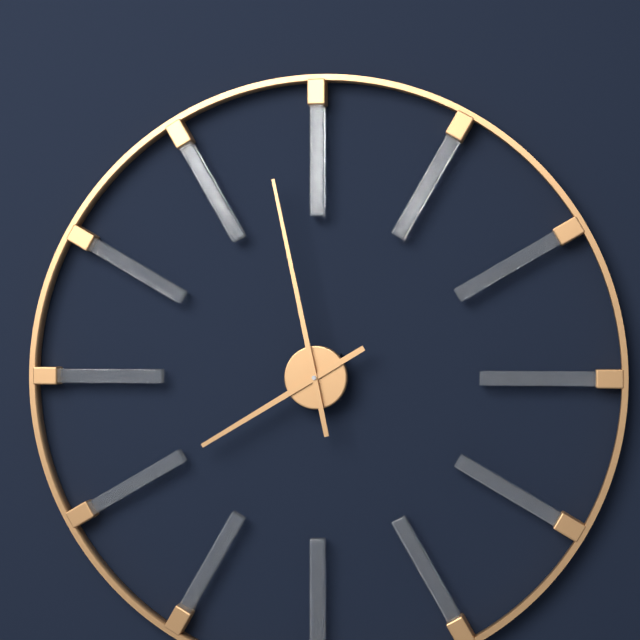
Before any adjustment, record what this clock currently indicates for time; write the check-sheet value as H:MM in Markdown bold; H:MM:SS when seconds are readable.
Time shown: **7:58**
